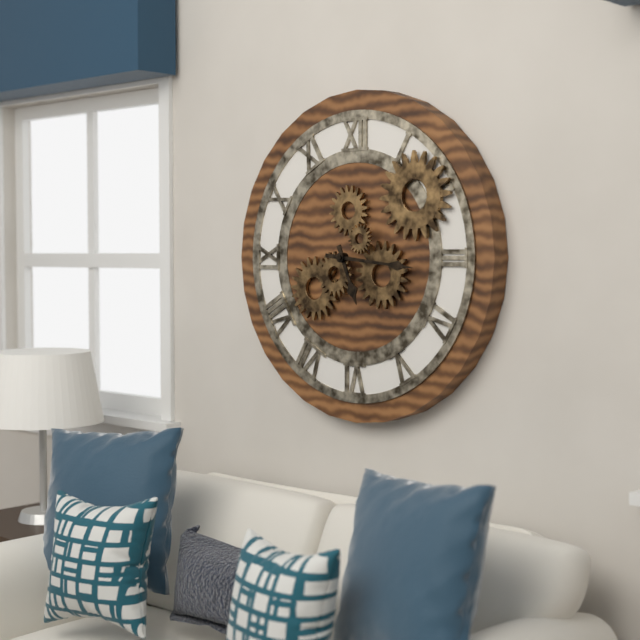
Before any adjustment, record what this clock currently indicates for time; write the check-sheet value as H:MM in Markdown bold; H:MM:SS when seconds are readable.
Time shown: **5:16**
